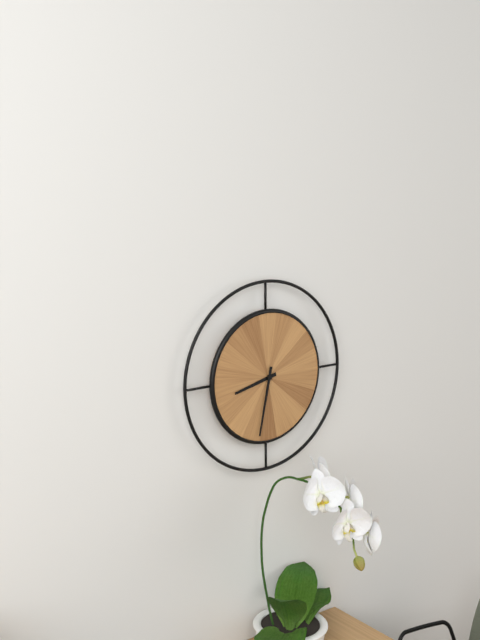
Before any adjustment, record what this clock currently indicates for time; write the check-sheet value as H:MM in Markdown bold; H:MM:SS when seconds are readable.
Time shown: **8:32**
